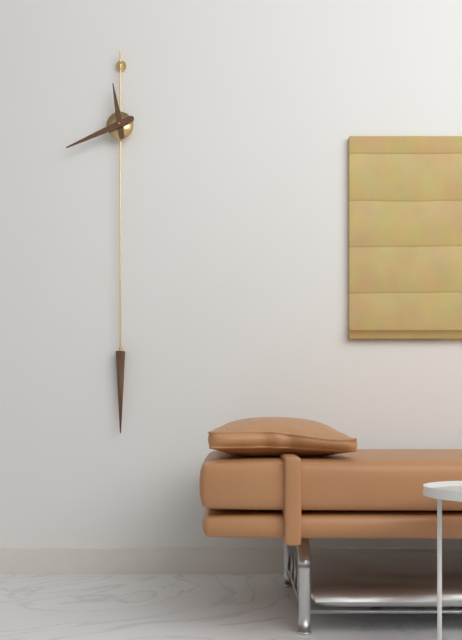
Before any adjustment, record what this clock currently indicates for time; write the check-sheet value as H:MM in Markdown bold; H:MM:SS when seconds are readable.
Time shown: **11:41**
